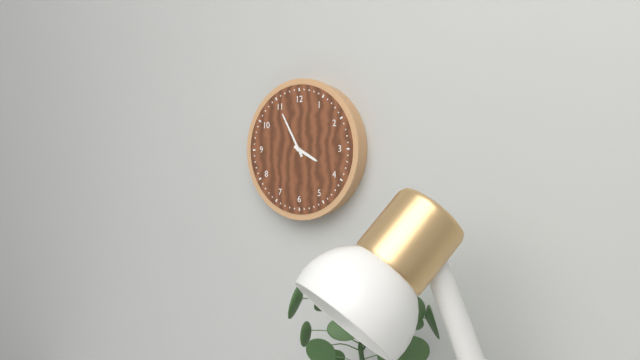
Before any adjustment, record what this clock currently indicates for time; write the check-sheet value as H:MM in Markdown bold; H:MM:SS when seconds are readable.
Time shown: **3:55**
